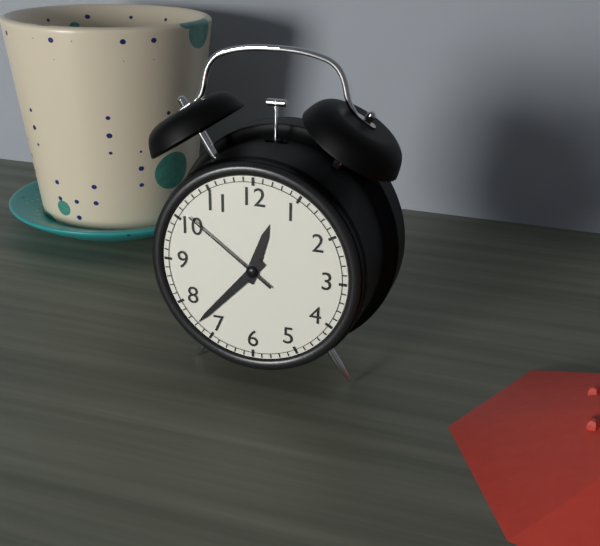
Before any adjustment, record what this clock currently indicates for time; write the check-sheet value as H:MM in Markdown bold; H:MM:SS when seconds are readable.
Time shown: **12:37:51**
